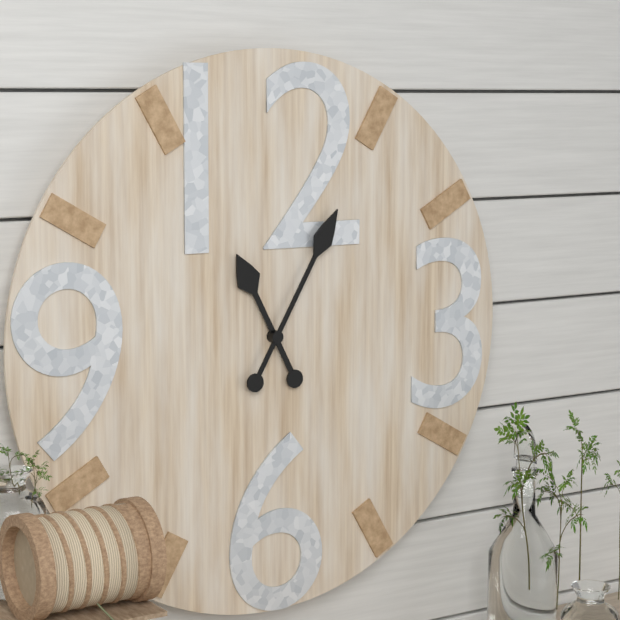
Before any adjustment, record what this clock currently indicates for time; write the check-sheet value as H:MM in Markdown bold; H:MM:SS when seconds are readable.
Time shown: **11:05**
